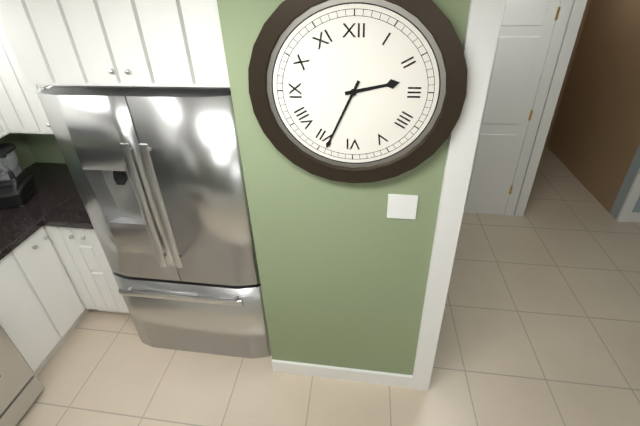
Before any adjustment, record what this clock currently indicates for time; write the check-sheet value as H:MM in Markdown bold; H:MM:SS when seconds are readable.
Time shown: **2:34**
